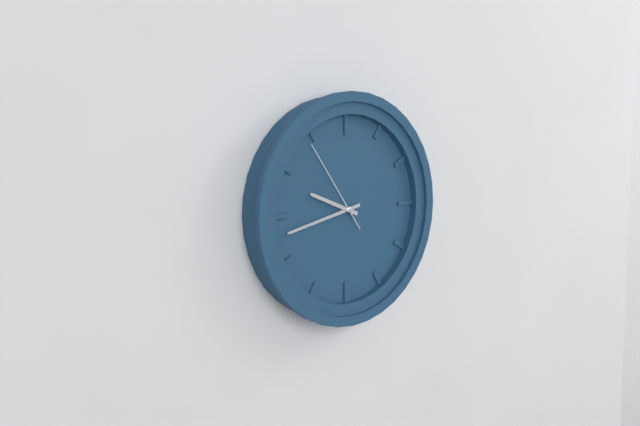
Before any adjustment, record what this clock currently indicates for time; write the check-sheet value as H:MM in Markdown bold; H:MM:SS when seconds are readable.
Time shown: **9:43:54**
